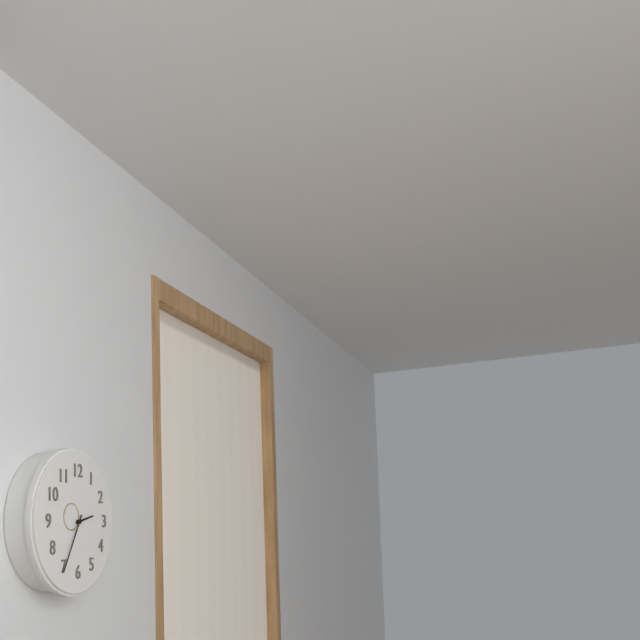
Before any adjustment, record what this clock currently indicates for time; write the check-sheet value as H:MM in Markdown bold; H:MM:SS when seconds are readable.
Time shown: **2:35**
